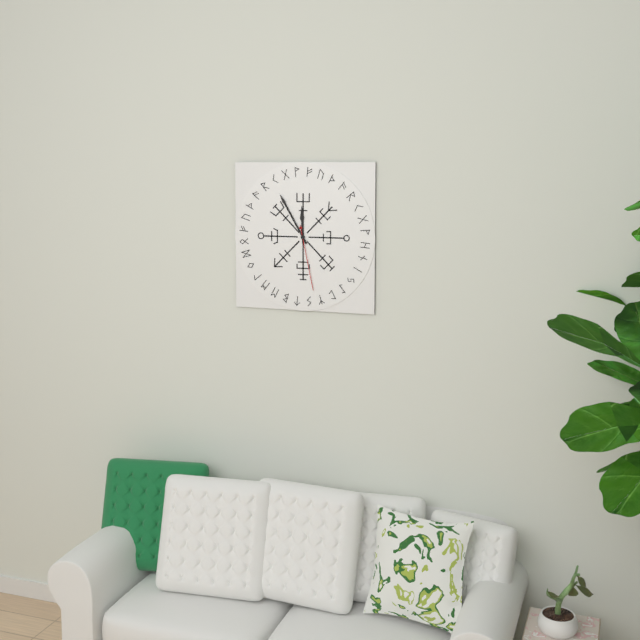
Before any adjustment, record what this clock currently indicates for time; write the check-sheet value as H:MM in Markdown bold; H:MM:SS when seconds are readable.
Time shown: **11:55:28**
